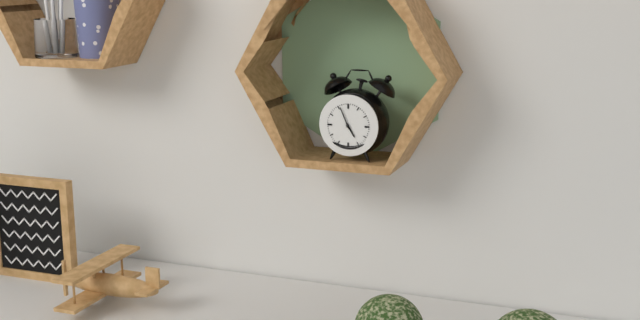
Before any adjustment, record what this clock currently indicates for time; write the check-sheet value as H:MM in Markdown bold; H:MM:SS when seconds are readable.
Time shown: **4:56**
